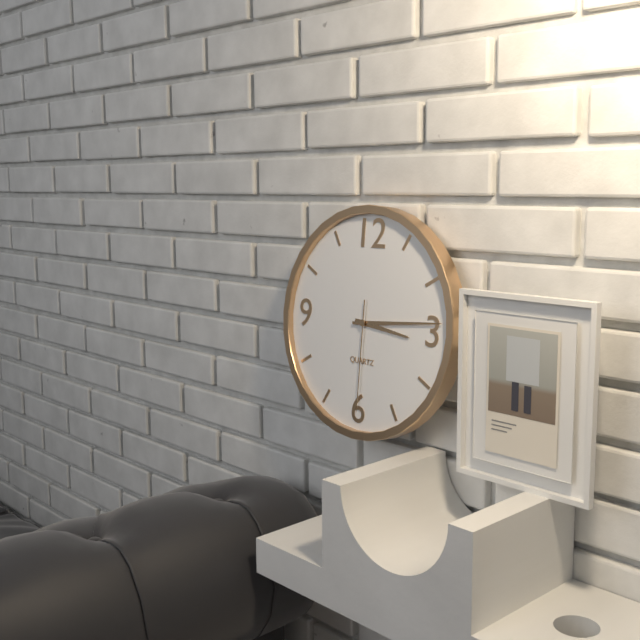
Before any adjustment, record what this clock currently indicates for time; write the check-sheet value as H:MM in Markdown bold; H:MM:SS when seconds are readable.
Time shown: **3:14:30**
